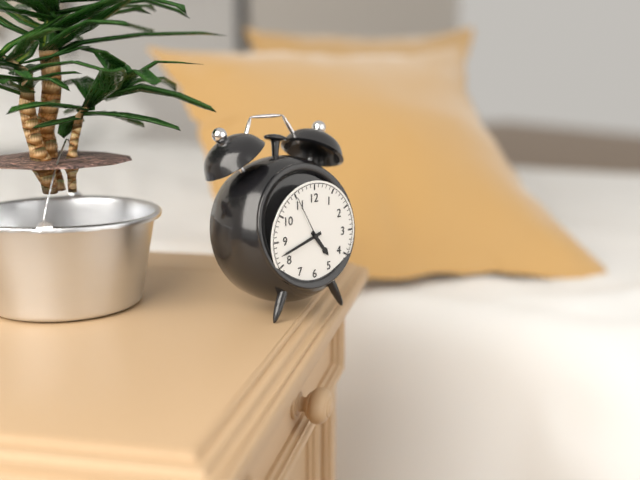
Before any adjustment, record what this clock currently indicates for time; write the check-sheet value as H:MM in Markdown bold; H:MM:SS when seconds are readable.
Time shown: **4:42:55**
